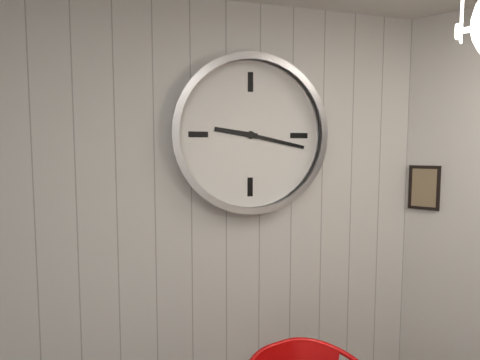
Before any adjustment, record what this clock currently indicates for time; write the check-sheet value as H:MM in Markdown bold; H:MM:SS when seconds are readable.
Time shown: **9:17**
